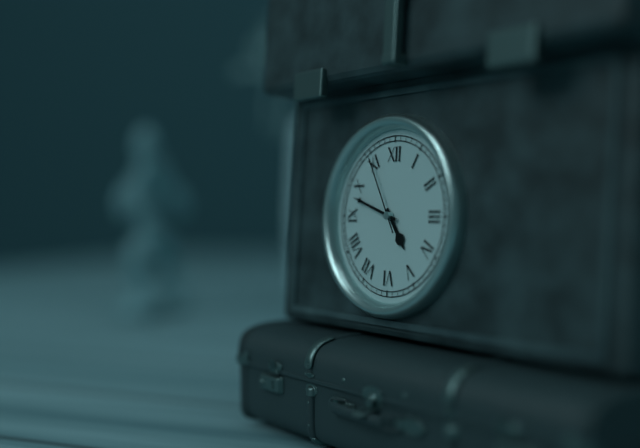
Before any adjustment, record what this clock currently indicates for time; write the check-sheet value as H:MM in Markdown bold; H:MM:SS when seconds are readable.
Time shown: **4:48:55**
